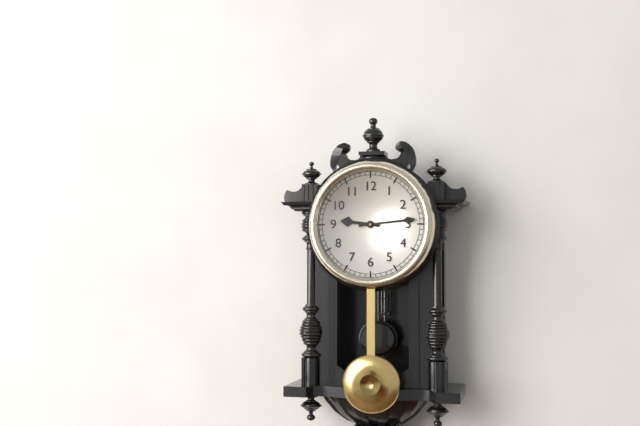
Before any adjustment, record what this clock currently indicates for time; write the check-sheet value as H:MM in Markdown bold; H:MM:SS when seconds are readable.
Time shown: **9:14**
